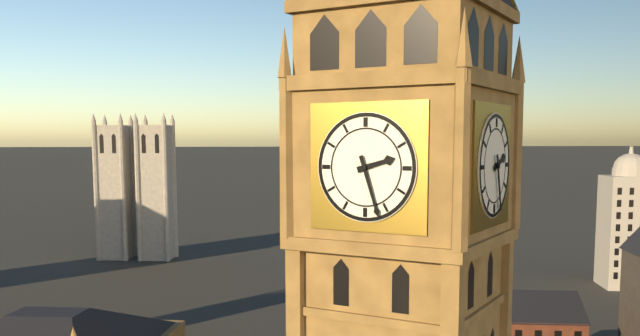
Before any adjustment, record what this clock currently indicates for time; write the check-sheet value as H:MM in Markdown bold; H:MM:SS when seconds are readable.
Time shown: **2:27**
